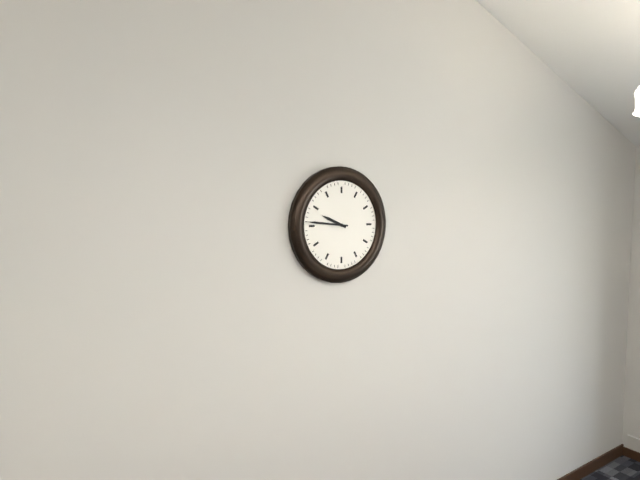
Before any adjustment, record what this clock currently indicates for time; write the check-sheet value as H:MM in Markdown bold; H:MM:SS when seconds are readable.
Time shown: **9:46**
